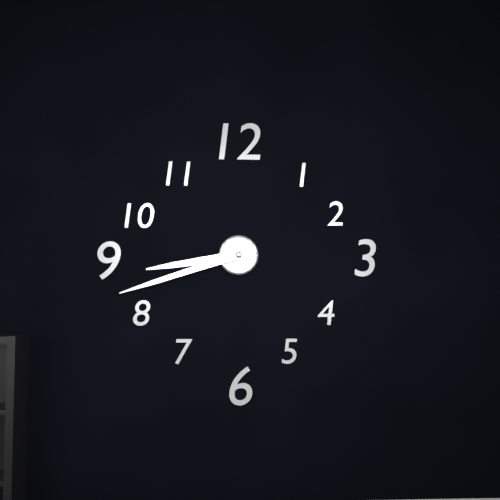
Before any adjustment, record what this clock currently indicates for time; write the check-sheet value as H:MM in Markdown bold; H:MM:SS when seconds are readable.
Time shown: **8:42**
